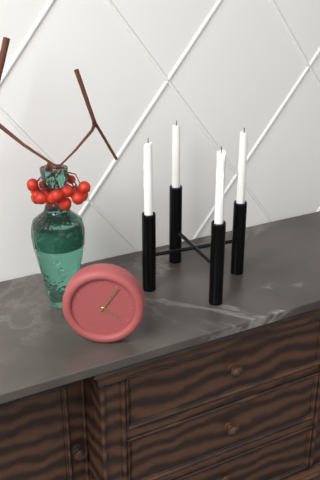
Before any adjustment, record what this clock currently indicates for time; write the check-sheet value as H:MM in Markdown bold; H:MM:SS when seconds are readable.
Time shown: **4:06**
